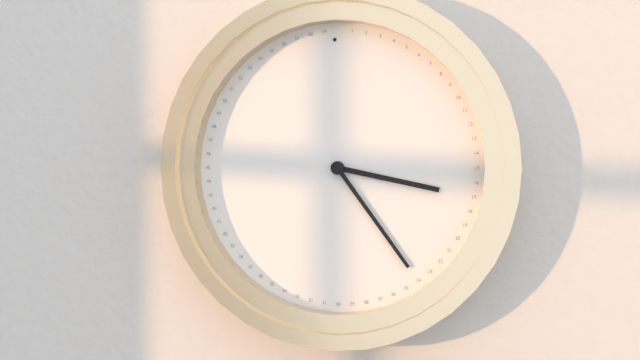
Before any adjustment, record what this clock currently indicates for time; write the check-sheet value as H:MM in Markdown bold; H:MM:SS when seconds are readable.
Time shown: **3:24**
